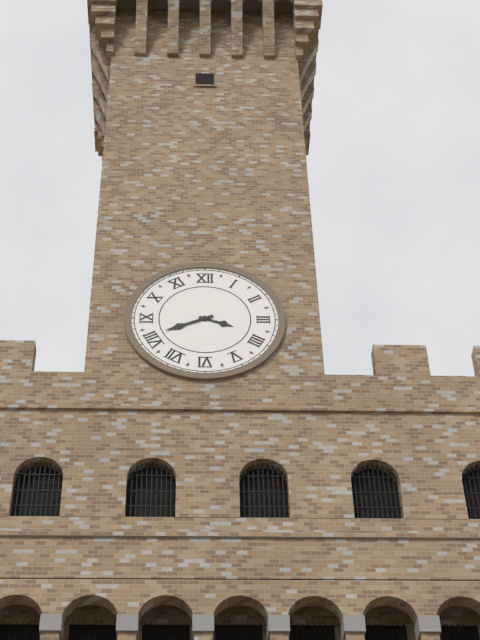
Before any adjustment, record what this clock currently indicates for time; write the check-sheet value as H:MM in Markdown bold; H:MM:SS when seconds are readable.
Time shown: **3:41**
